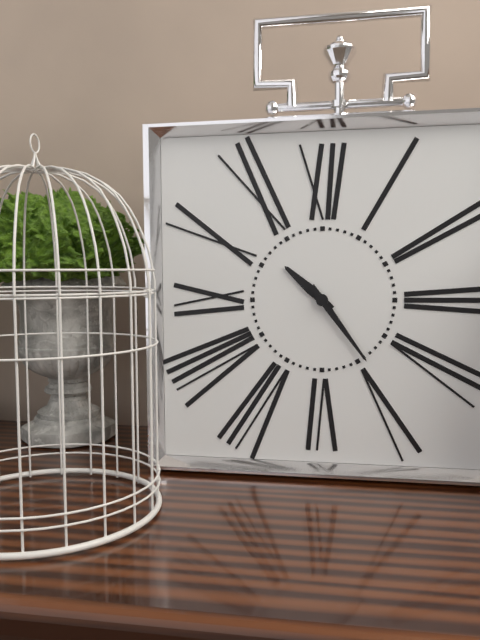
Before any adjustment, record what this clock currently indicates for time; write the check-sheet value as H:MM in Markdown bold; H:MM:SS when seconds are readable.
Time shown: **10:24**
